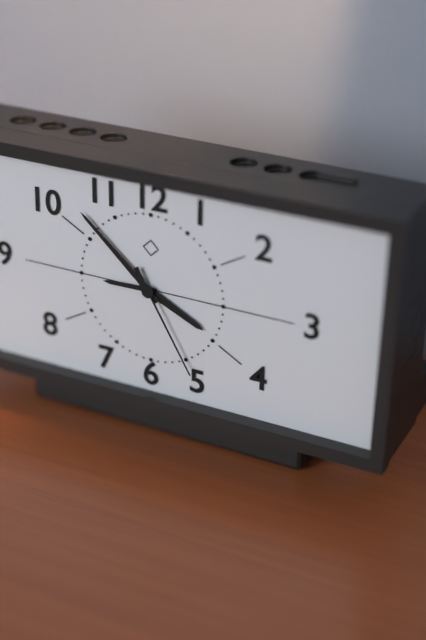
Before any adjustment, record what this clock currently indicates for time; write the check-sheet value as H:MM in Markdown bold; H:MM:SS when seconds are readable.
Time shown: **3:52:25**
